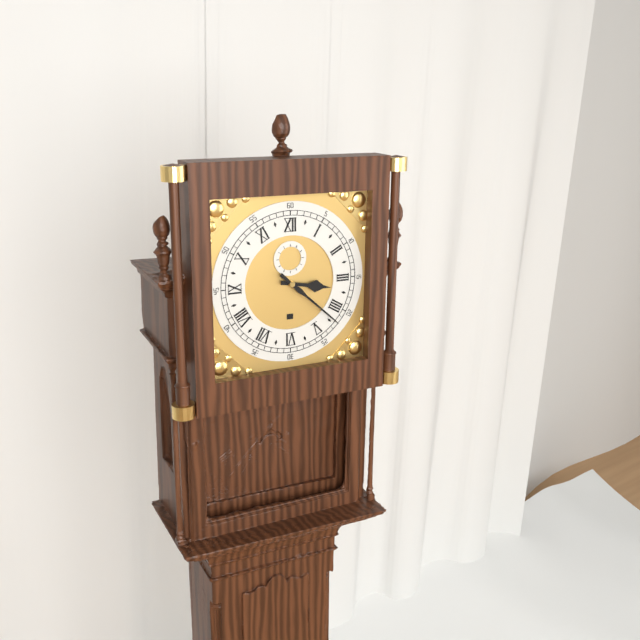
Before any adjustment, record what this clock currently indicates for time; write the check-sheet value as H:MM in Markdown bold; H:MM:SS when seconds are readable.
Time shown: **3:22**
